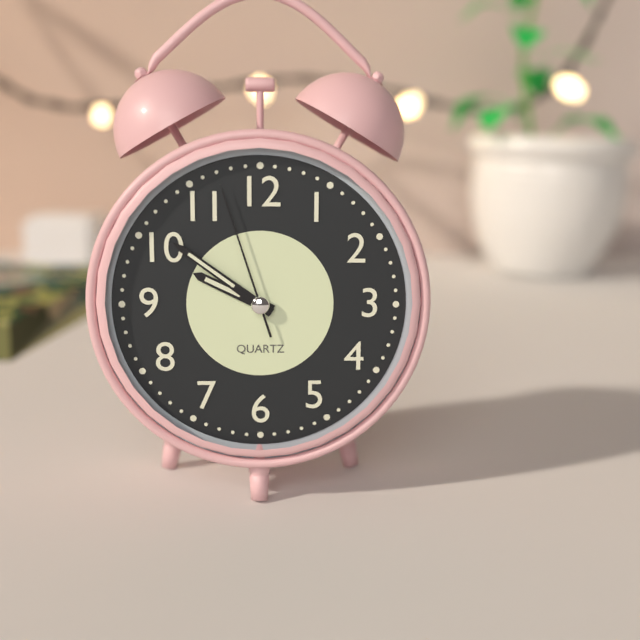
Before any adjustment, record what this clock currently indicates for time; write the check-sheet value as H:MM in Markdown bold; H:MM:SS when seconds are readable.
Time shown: **9:51:57**
